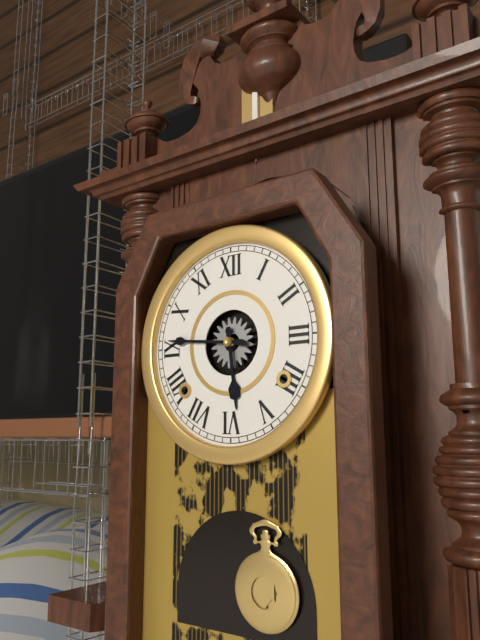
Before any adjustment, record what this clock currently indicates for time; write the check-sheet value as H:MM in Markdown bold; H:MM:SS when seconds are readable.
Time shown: **5:46**
